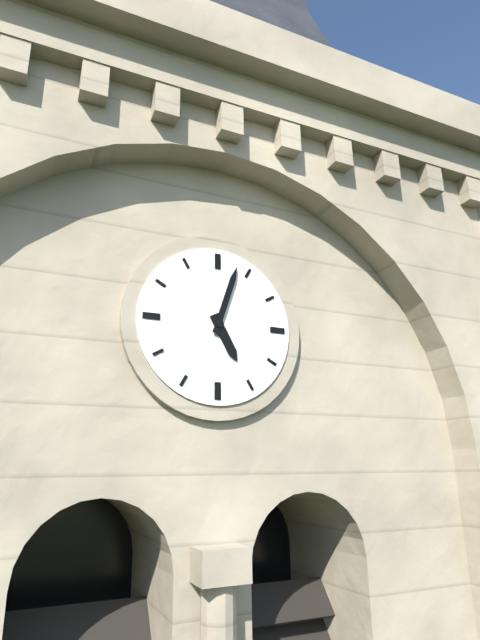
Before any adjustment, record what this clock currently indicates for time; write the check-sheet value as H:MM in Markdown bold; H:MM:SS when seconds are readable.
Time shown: **5:03**
